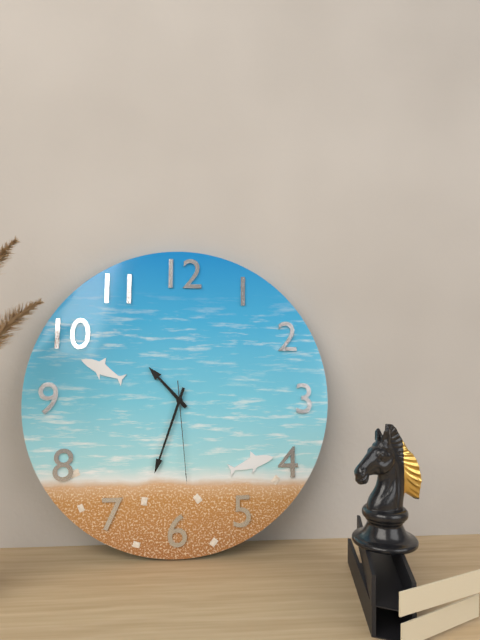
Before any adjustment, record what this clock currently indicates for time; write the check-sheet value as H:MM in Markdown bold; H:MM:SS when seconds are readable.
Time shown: **10:33:29**
